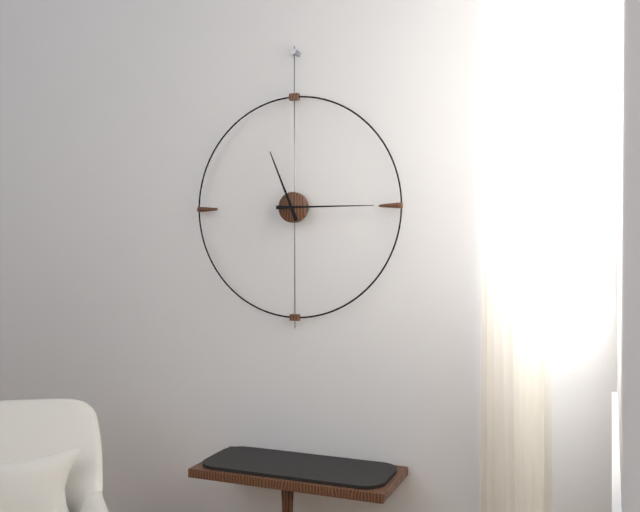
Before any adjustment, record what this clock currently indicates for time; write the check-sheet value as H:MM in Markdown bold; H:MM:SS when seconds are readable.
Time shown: **11:15**
